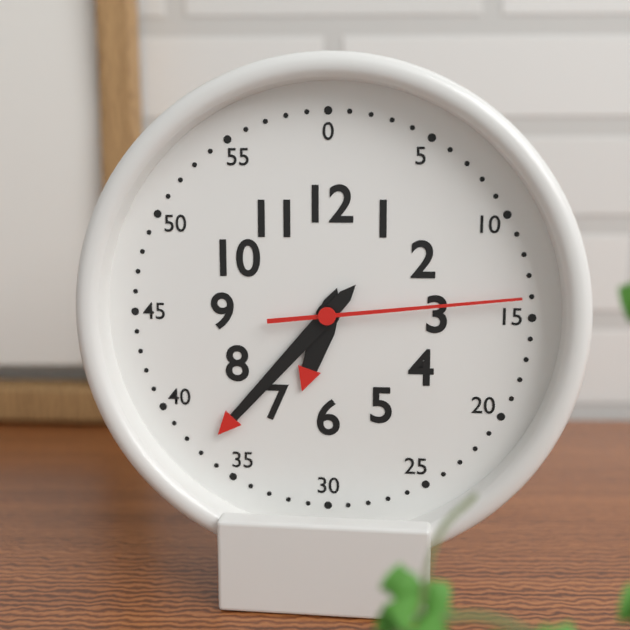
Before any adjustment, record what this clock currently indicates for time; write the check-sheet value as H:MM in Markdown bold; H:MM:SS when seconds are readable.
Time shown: **6:37:14**
